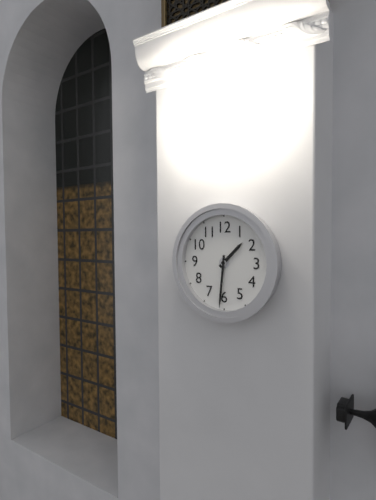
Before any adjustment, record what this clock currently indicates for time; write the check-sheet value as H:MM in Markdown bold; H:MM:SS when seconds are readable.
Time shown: **1:31**
